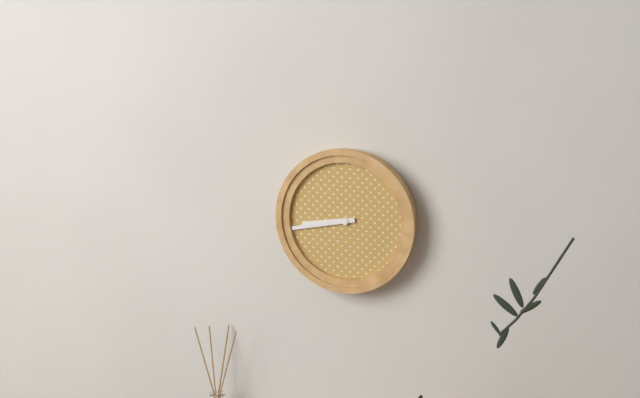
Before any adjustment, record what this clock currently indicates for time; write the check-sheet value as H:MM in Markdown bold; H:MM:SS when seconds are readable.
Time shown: **8:43**
